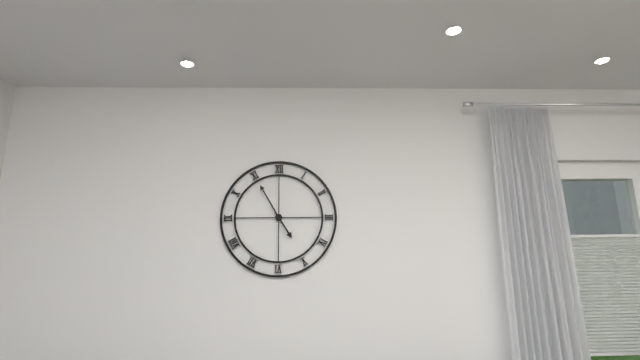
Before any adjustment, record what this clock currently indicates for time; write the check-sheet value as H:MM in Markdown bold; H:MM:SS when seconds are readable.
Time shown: **4:55**
